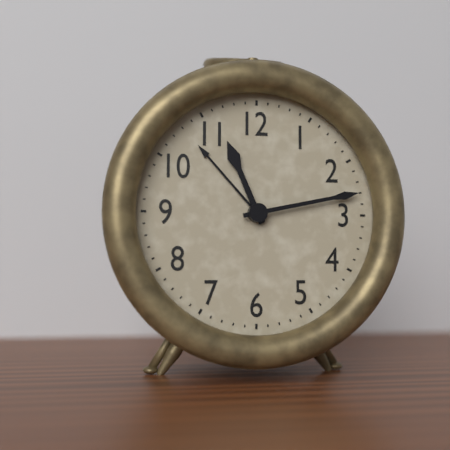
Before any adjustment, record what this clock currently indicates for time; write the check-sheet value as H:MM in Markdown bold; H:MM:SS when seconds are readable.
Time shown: **11:13**
